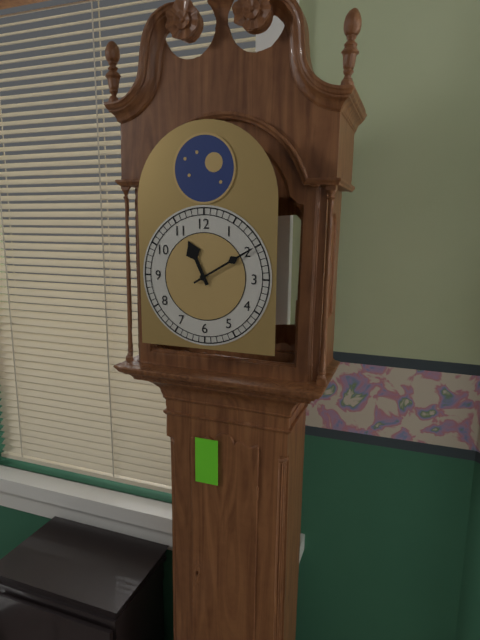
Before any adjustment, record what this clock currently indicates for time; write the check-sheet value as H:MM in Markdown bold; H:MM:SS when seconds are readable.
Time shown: **11:10**
